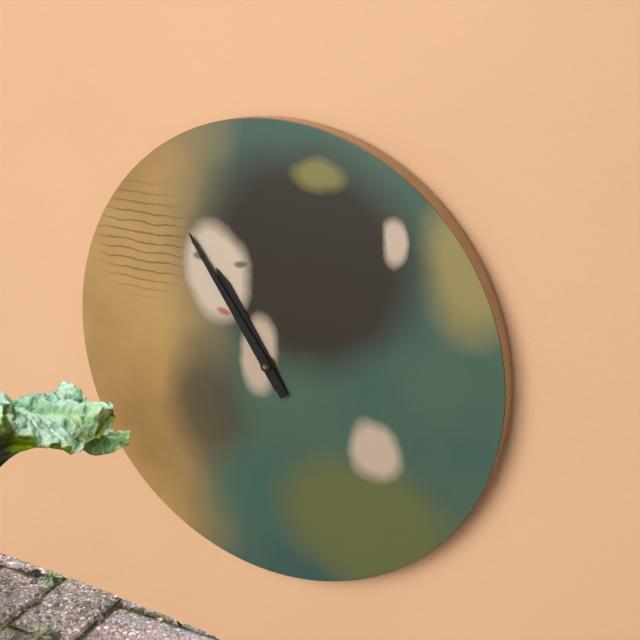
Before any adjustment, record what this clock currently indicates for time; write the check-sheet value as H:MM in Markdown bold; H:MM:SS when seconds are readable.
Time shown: **10:54**
